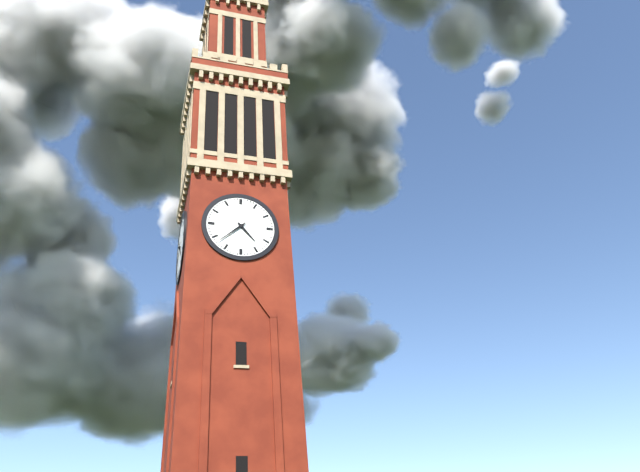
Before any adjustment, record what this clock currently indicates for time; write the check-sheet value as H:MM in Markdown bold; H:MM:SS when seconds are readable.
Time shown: **4:38**
